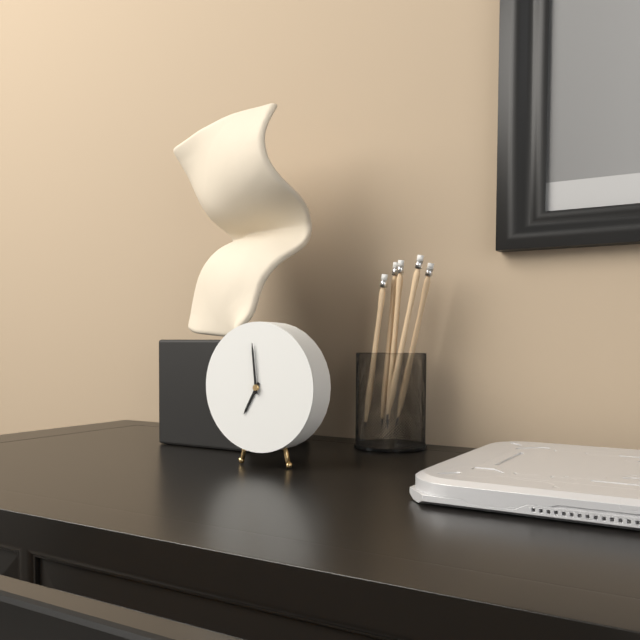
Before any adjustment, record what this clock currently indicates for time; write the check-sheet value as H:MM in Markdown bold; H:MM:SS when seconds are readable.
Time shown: **6:59**
